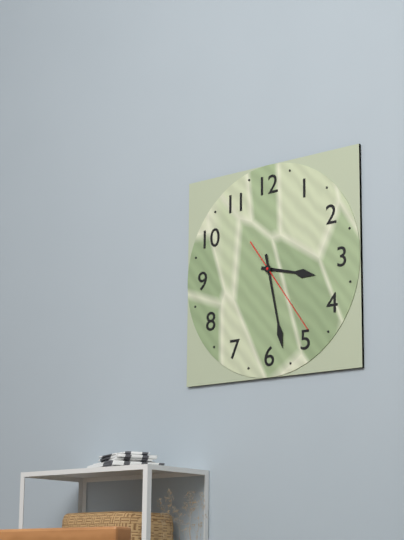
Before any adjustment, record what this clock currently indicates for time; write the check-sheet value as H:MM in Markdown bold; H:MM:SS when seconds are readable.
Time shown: **3:28:24**
